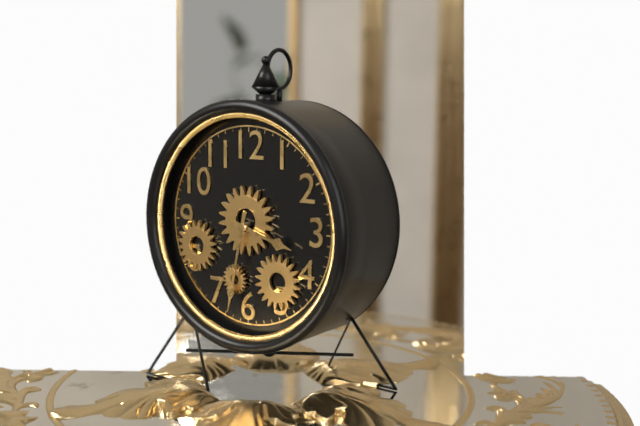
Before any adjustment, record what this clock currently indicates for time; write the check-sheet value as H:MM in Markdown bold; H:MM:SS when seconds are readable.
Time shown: **3:32**
